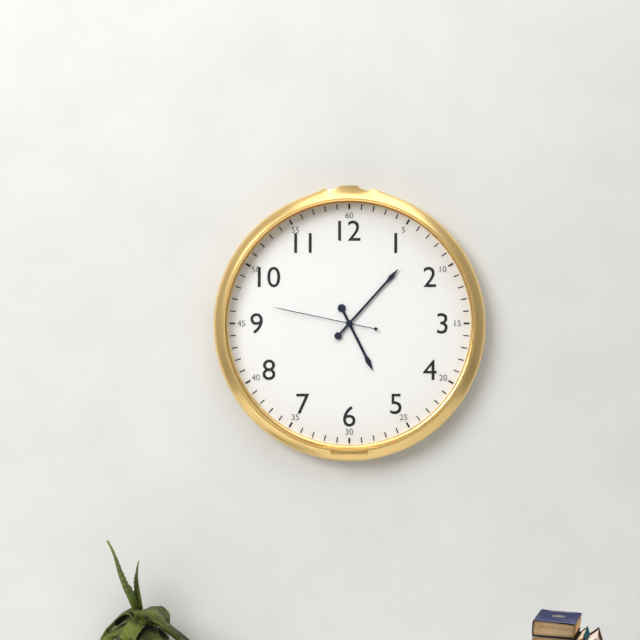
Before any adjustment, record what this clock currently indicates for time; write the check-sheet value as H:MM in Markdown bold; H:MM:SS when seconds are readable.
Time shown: **5:07:47**
